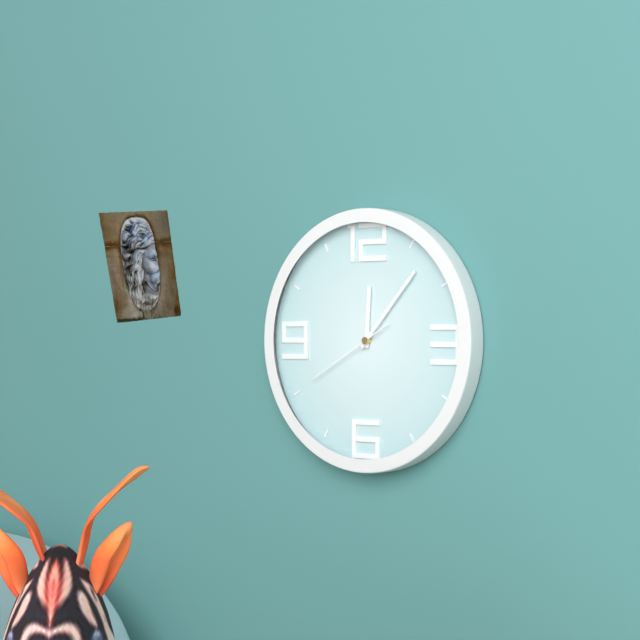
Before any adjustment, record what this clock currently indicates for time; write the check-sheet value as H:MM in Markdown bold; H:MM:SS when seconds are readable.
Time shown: **12:07:40**
